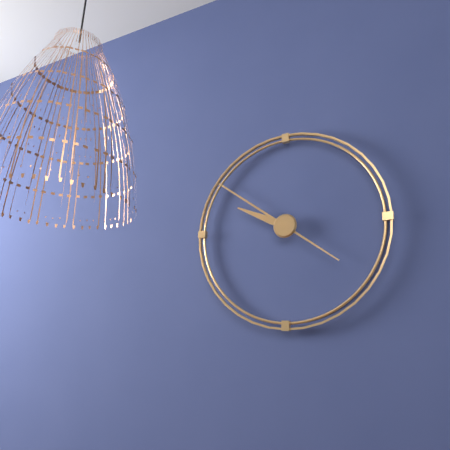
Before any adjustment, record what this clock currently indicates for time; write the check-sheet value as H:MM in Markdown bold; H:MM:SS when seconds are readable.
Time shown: **9:51**
